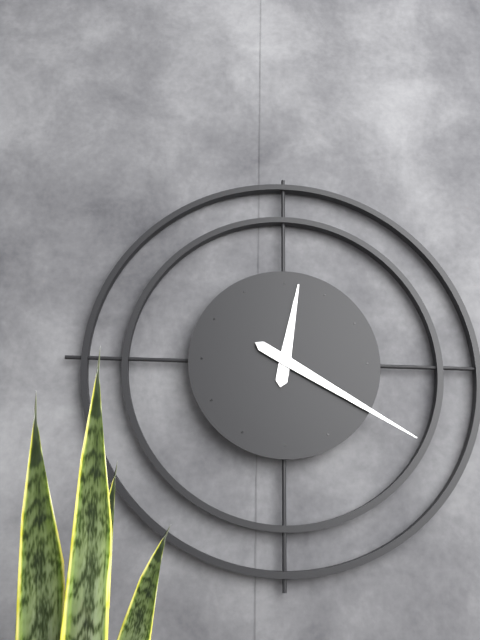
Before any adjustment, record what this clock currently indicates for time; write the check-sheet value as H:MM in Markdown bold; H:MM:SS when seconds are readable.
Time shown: **12:20**
